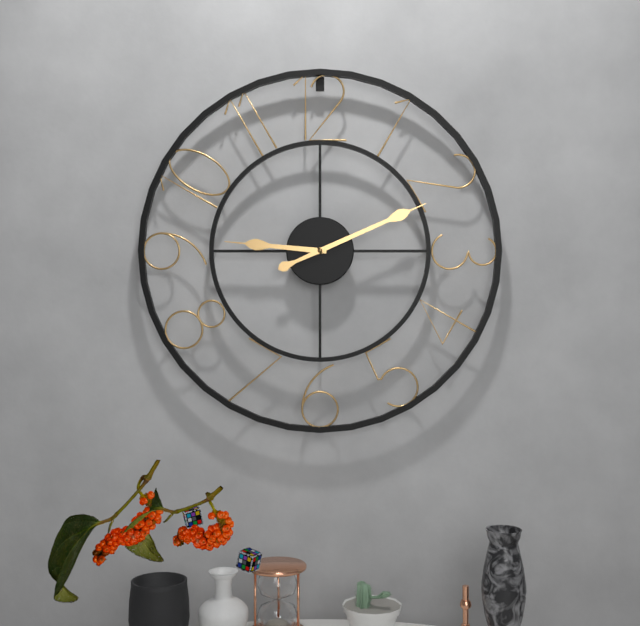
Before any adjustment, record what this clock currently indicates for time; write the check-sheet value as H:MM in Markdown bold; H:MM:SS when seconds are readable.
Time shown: **9:11**
